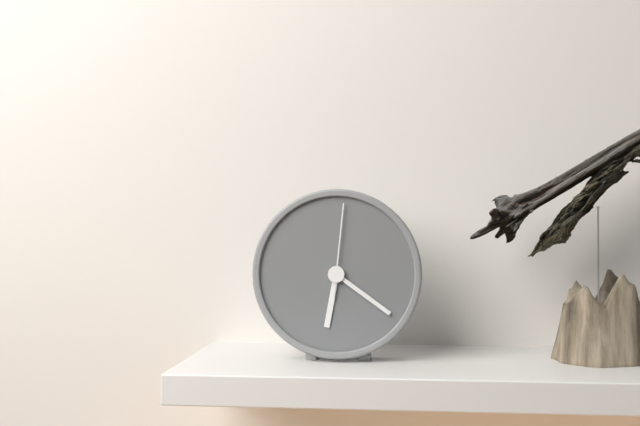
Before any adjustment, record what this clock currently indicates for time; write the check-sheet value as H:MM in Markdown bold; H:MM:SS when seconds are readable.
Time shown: **6:21:01**
